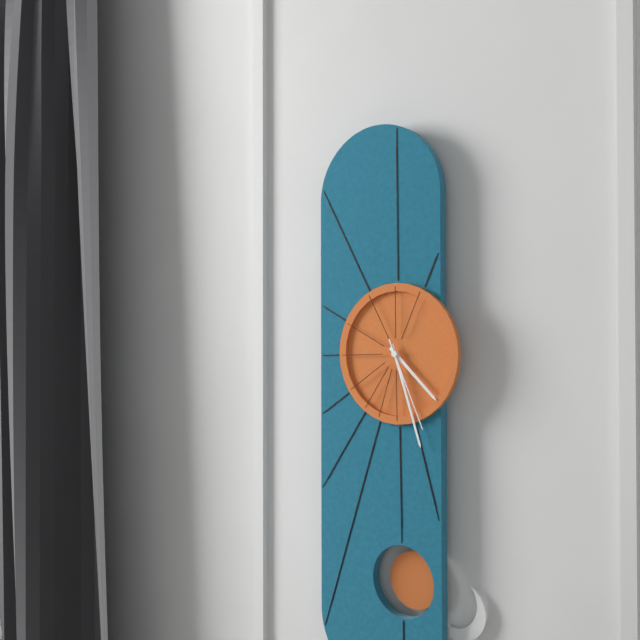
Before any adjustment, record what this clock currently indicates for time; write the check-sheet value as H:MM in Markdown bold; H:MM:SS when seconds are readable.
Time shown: **4:27:26**
